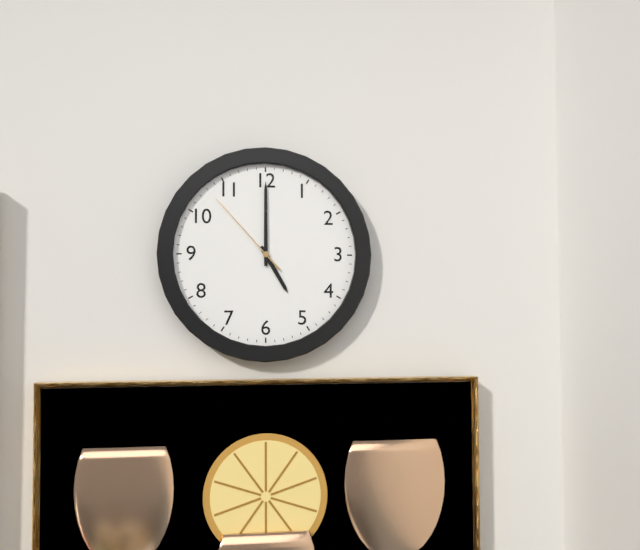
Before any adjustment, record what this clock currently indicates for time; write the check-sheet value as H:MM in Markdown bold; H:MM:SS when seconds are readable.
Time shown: **5:00:53**
